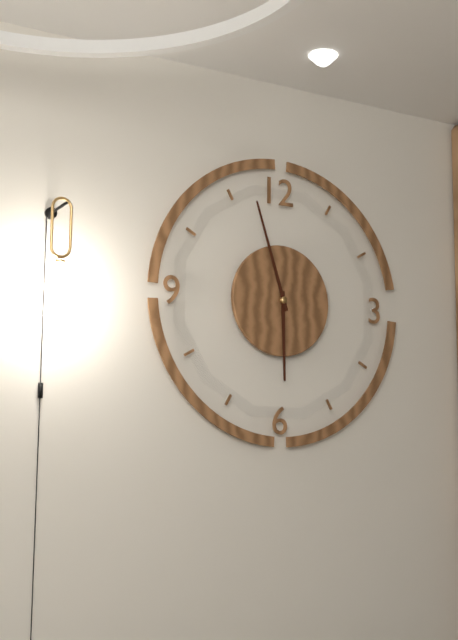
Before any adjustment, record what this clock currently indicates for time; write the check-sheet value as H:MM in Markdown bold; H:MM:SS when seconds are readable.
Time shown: **5:57**
